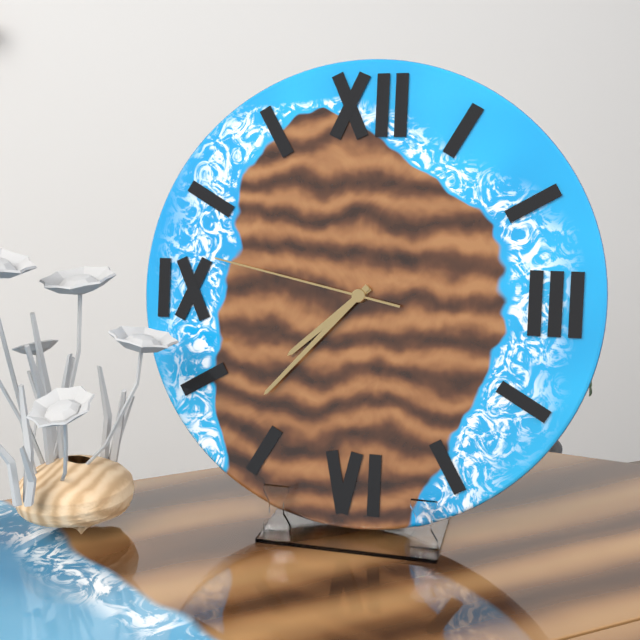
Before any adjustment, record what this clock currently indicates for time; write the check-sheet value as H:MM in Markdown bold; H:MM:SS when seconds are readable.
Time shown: **7:37:47**
